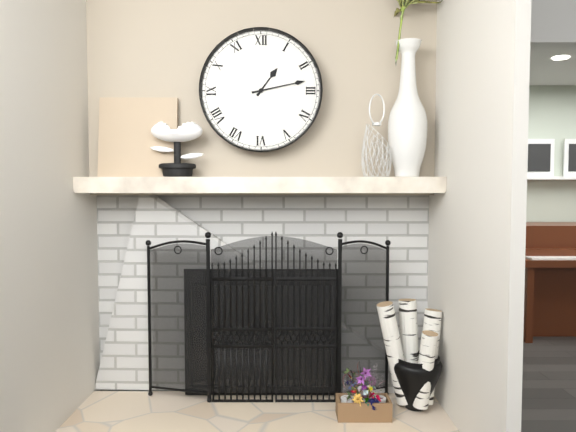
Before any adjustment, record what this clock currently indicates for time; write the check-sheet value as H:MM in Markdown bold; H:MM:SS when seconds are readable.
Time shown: **1:13**
